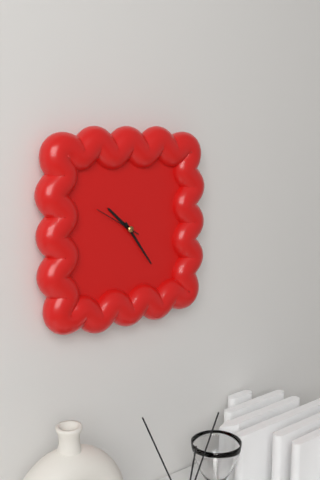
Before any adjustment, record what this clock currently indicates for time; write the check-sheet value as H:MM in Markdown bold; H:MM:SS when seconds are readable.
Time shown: **10:24**
